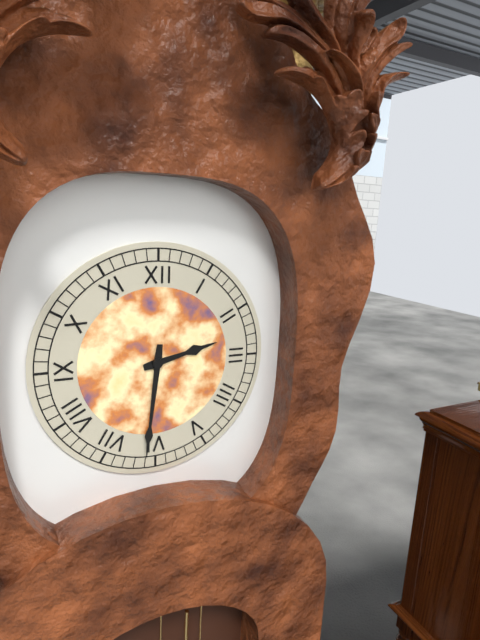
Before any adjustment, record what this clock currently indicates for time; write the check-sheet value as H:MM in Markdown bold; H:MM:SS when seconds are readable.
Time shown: **2:31**
